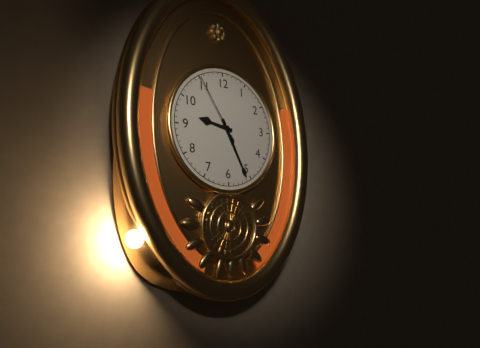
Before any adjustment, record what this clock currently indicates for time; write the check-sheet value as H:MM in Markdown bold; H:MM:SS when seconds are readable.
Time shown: **9:26:55**
